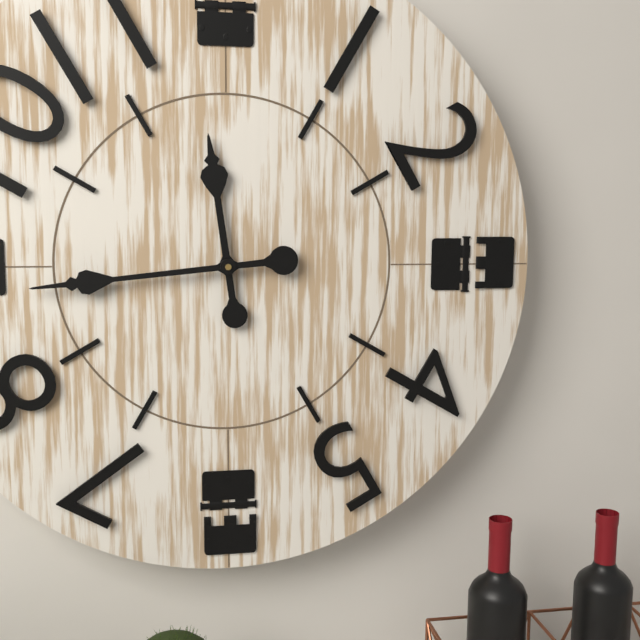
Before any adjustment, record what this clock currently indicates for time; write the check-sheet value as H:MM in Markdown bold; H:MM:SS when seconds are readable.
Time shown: **11:44**
